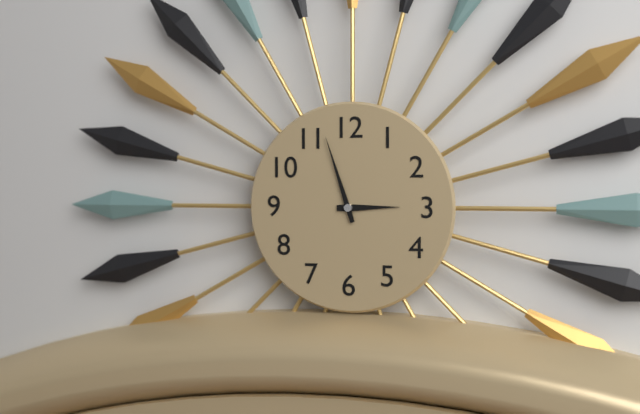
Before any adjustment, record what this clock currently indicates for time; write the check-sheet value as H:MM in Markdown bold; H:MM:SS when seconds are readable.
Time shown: **2:57**
